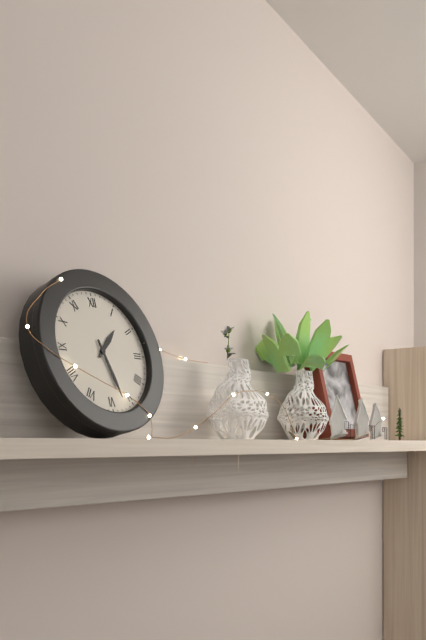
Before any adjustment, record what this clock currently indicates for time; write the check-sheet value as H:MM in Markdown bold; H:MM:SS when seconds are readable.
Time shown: **1:27**
